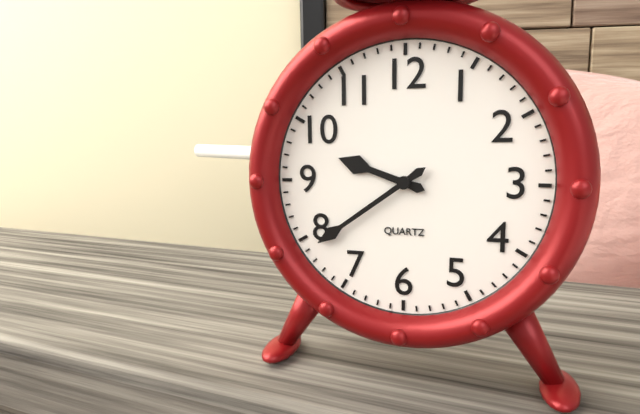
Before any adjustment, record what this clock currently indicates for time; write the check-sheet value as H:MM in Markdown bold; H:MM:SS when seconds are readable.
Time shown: **9:39**
